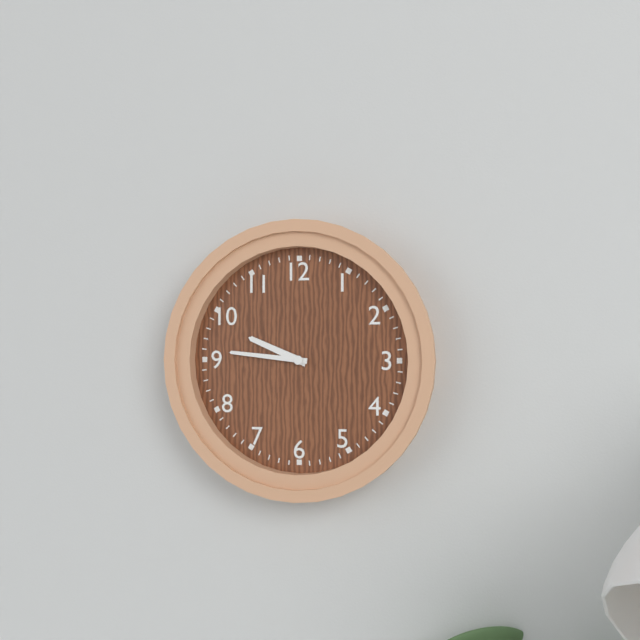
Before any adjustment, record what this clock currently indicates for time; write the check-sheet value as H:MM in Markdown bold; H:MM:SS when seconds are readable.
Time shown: **9:46**
